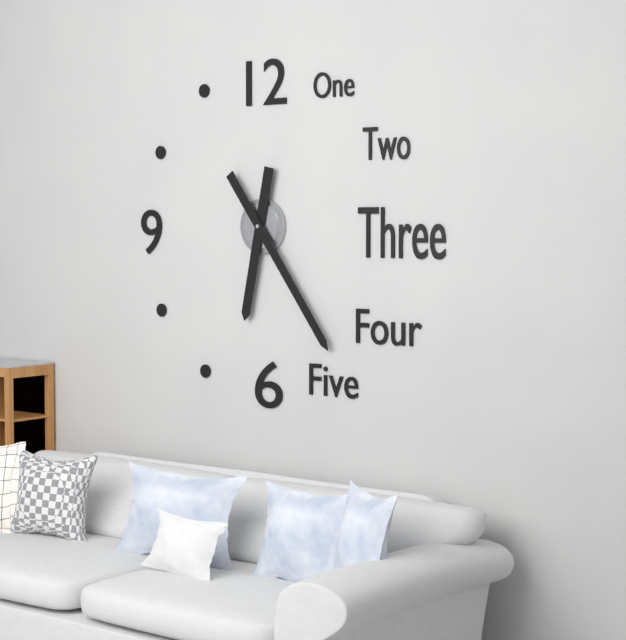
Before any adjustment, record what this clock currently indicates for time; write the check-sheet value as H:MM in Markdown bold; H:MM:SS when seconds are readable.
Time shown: **6:24**
